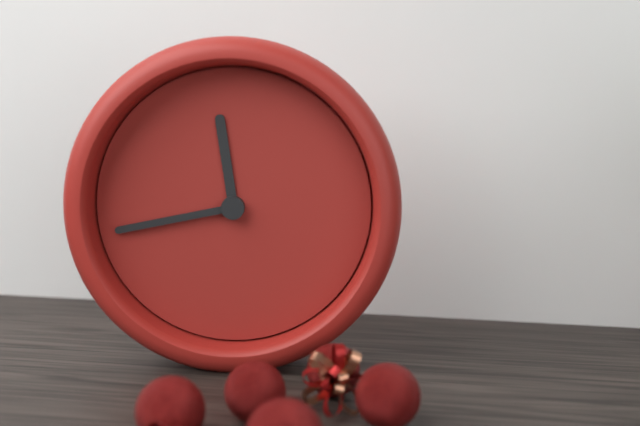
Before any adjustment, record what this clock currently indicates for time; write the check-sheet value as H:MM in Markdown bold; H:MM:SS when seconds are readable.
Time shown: **11:43**
